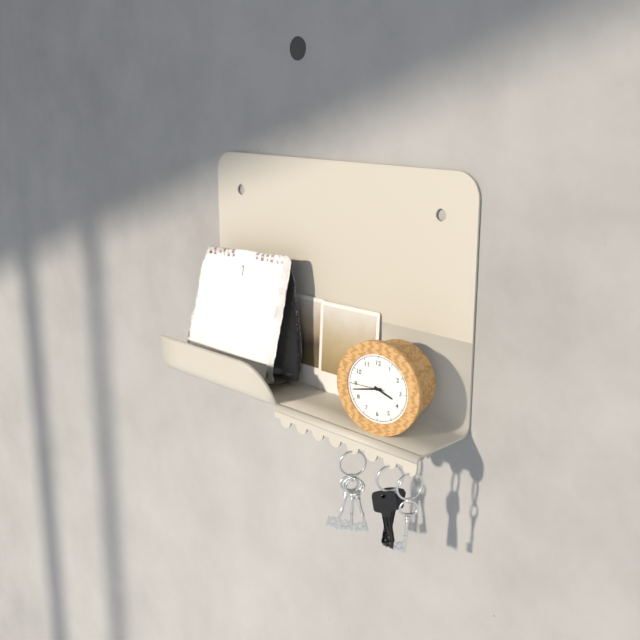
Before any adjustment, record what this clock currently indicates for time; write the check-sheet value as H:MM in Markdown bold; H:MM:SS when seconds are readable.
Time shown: **3:43**
